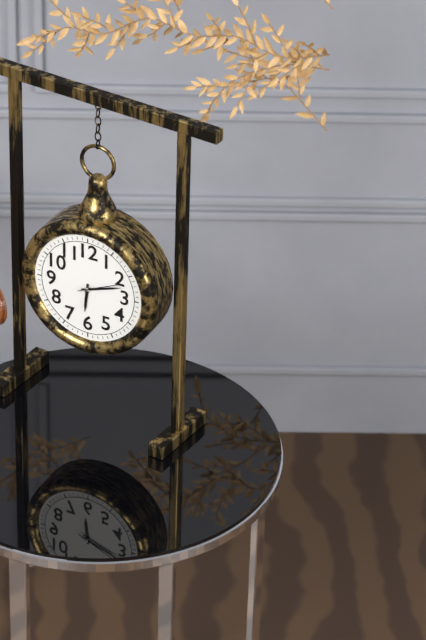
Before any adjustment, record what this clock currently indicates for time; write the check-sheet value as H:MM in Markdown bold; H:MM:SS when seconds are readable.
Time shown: **6:12**
